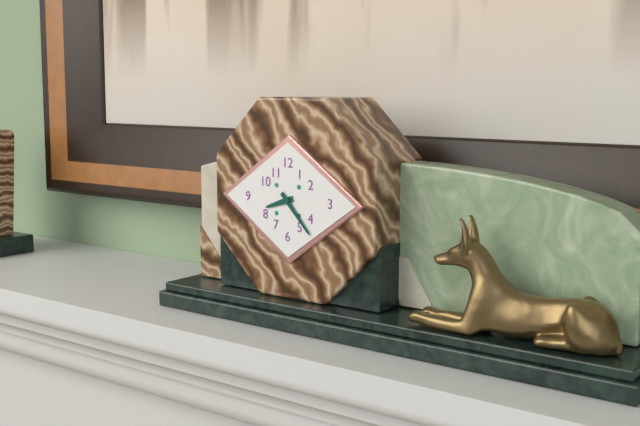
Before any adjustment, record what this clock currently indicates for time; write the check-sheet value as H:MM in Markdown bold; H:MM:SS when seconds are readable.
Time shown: **8:23**
